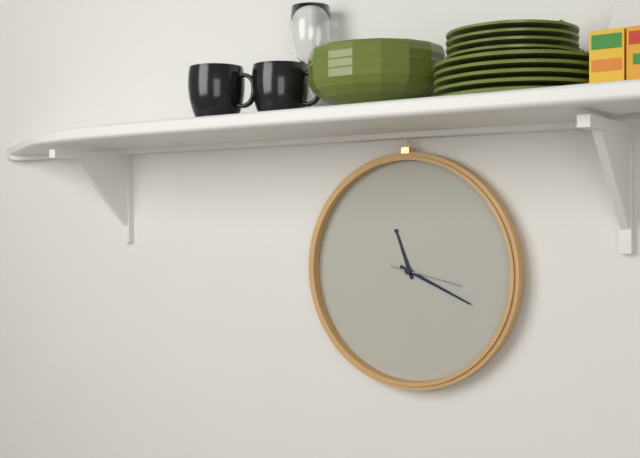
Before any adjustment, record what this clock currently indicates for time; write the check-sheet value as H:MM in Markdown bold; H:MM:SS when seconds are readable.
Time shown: **11:19:17**
